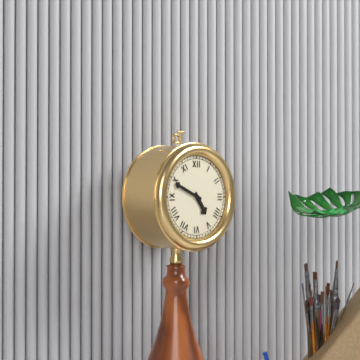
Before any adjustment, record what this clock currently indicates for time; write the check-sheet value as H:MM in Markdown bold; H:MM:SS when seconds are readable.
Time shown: **4:49**
